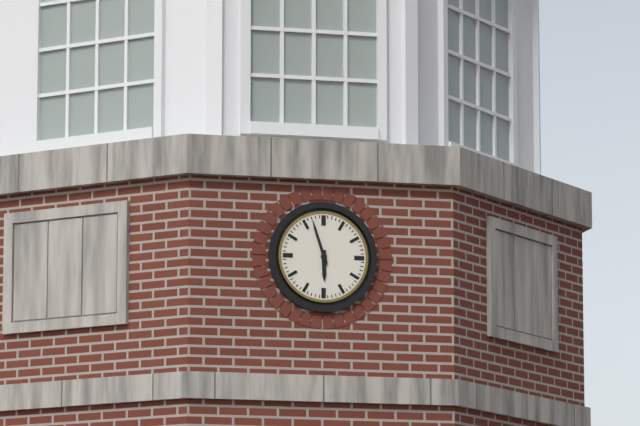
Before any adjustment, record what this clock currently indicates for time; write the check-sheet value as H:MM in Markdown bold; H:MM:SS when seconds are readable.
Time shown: **5:57**
